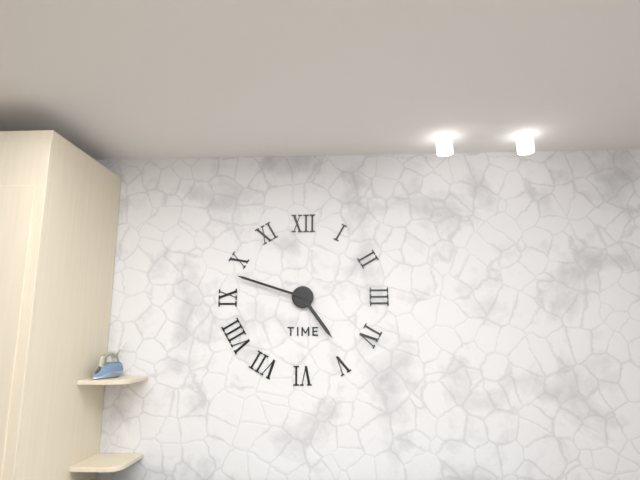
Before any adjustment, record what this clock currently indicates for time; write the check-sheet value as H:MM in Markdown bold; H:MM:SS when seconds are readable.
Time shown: **4:48**
